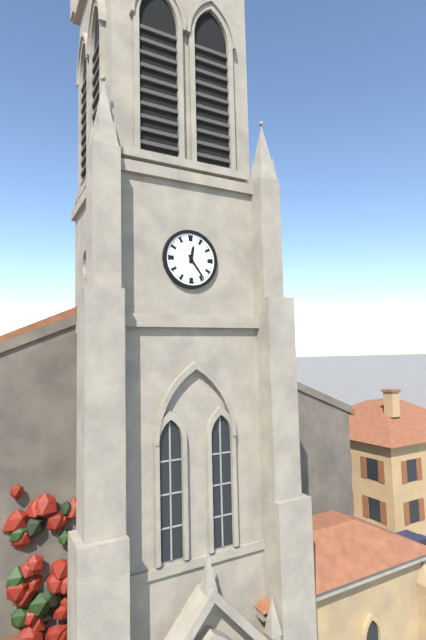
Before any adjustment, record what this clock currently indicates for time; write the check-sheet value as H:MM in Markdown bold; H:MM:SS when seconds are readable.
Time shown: **12:24**
